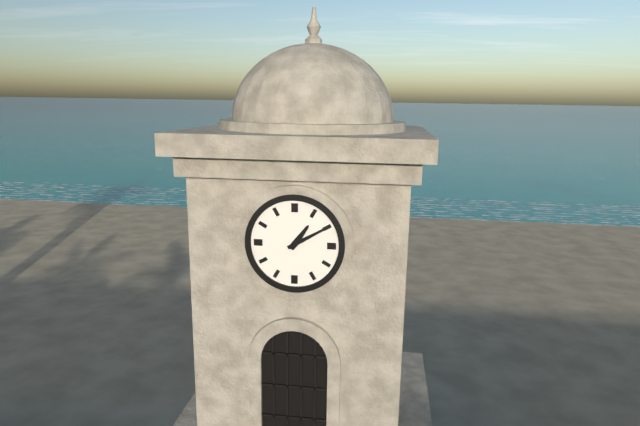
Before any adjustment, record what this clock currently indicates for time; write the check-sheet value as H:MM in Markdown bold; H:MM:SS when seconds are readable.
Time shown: **1:10**
